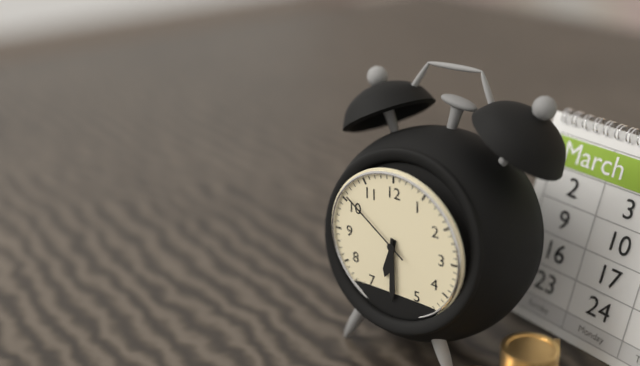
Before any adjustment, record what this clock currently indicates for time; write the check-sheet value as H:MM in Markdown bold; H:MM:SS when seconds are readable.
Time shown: **6:30:51**
